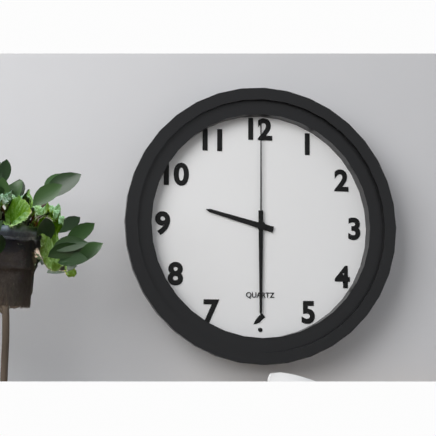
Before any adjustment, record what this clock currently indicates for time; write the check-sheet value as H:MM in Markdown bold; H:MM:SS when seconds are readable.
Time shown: **9:30:00**
